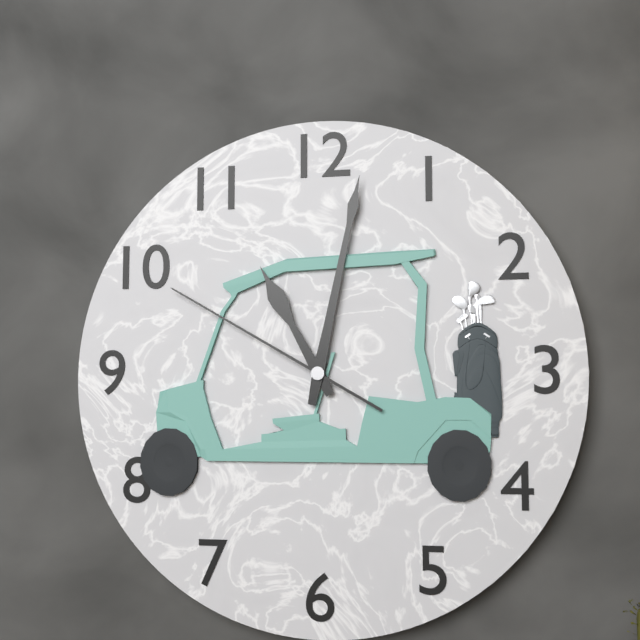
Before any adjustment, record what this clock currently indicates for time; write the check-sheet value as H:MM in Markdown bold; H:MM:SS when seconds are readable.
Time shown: **11:02:50**
